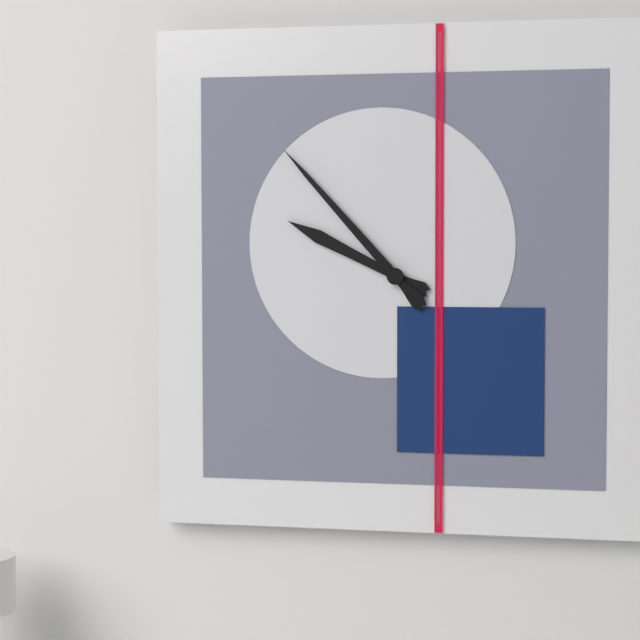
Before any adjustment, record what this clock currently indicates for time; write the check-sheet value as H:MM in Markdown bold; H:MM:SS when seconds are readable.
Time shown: **9:53**
